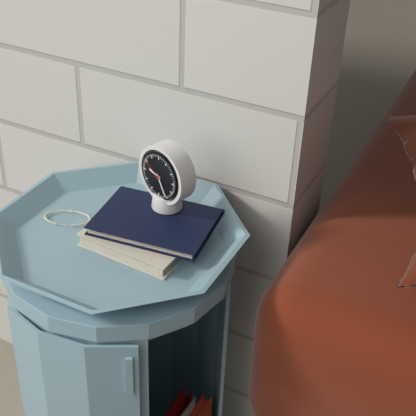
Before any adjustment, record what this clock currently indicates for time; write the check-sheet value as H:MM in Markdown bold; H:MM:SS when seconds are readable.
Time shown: **9:25**
